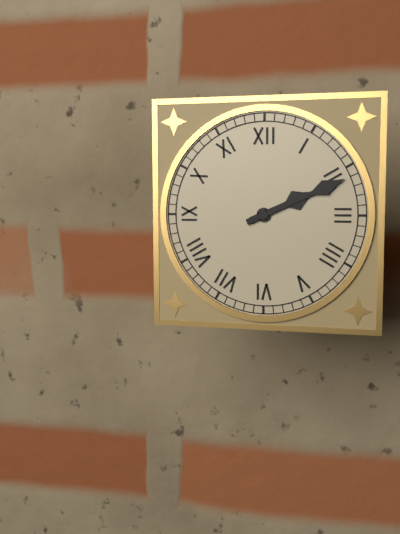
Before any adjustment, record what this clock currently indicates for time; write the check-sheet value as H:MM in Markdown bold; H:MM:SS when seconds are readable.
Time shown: **2:11**
